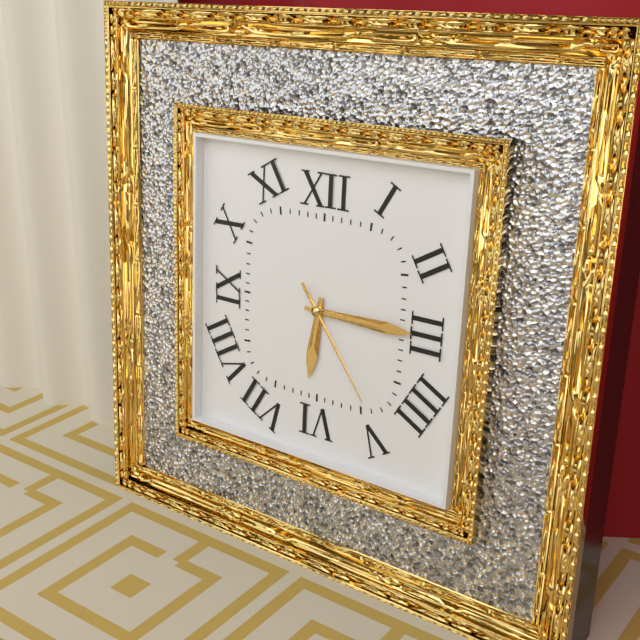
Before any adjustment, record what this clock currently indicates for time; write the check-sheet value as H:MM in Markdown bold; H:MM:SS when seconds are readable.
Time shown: **6:15:24**
